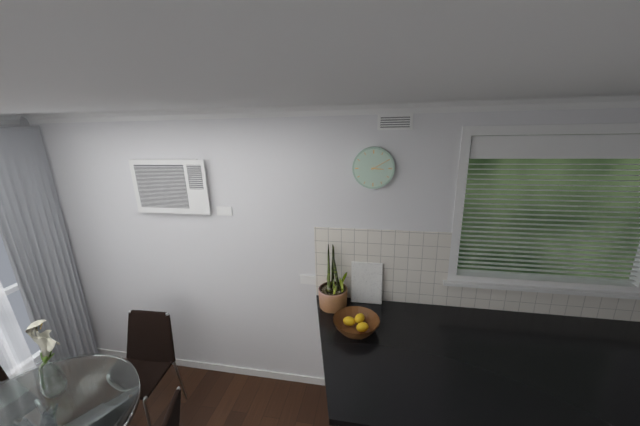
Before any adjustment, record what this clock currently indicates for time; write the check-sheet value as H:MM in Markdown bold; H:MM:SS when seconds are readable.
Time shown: **3:10**
